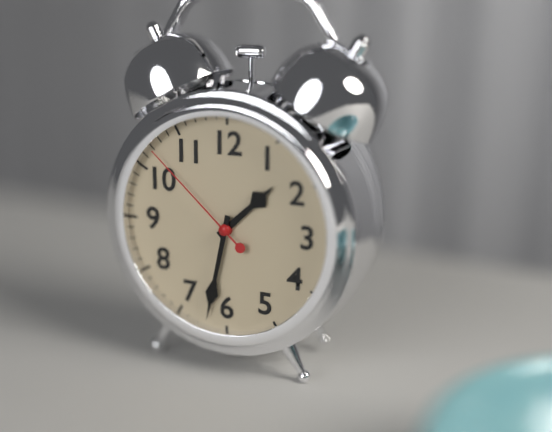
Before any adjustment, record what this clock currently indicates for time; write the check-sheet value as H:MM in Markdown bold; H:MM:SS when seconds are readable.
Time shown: **1:32:52**
